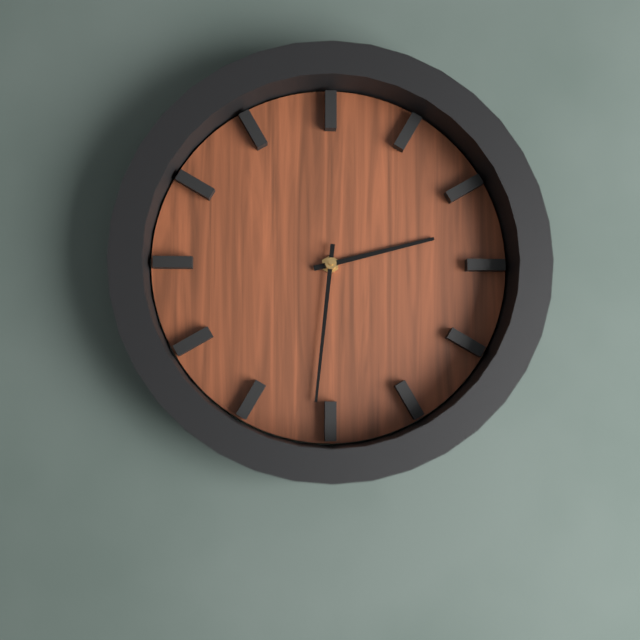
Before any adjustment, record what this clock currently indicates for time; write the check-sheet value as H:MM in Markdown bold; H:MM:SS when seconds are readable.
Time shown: **2:31**
